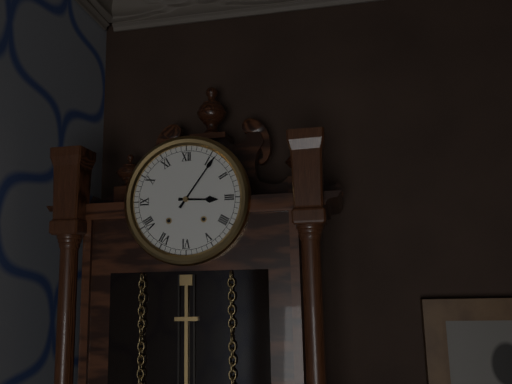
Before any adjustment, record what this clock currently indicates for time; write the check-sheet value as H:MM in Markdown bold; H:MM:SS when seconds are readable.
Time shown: **3:06**
